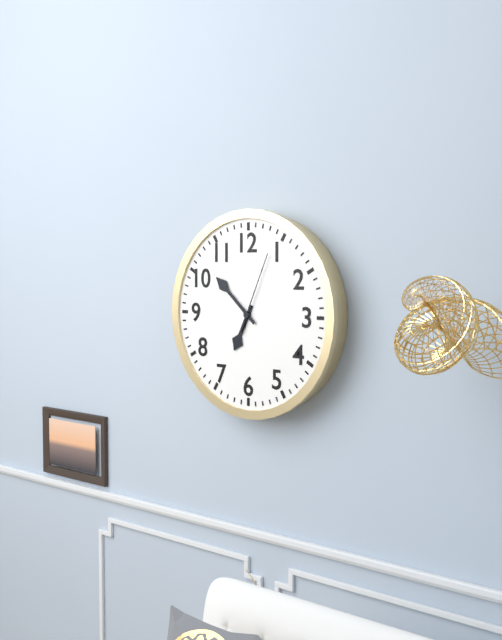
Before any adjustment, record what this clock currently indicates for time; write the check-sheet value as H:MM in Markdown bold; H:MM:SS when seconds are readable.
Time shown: **6:52:04**
